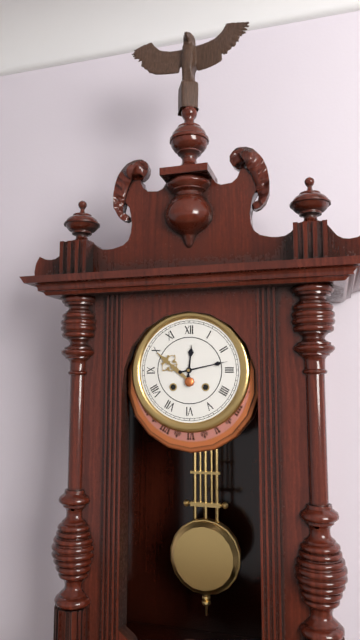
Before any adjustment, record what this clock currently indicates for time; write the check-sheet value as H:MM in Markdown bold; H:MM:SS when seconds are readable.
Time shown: **12:13**
